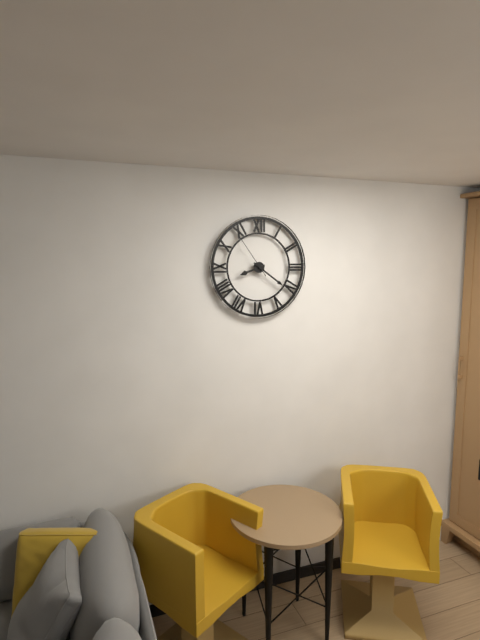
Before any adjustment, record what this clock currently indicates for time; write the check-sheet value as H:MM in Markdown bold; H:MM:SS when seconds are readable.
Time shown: **8:21**
